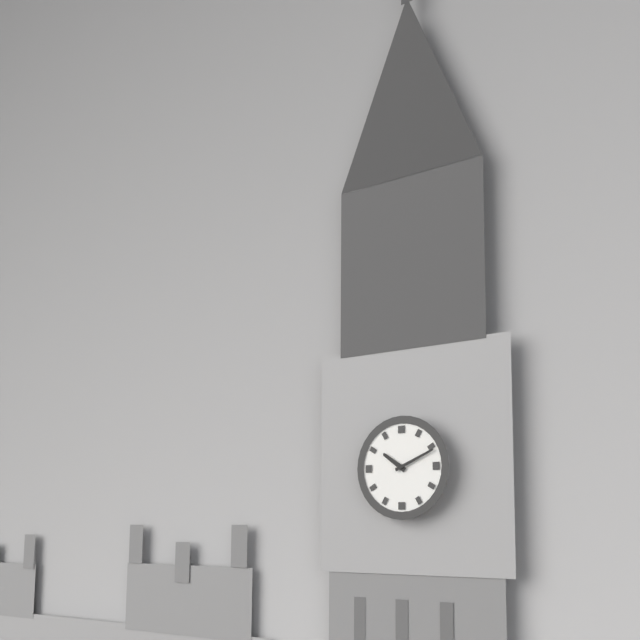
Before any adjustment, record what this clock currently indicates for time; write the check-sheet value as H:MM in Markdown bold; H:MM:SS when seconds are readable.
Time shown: **10:11**
